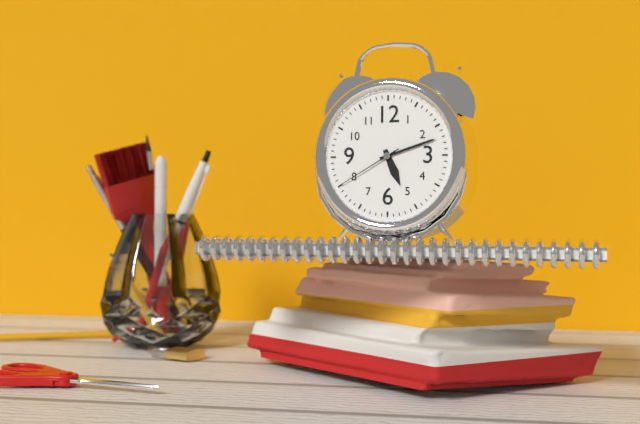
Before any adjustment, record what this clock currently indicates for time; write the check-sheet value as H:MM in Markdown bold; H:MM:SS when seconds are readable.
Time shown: **5:12:40**
